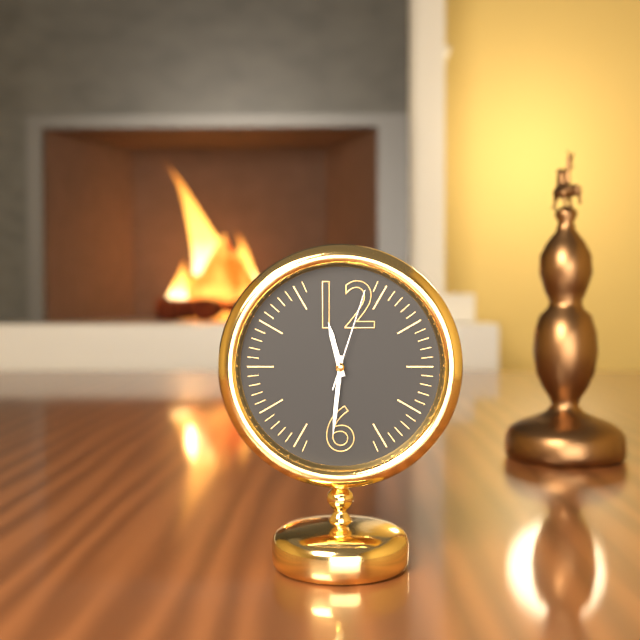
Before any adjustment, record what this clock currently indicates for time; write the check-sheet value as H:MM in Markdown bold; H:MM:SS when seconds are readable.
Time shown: **11:31:03**
